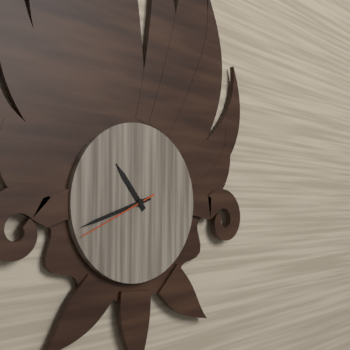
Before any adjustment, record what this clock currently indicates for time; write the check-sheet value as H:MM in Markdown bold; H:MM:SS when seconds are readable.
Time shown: **10:42:41**
